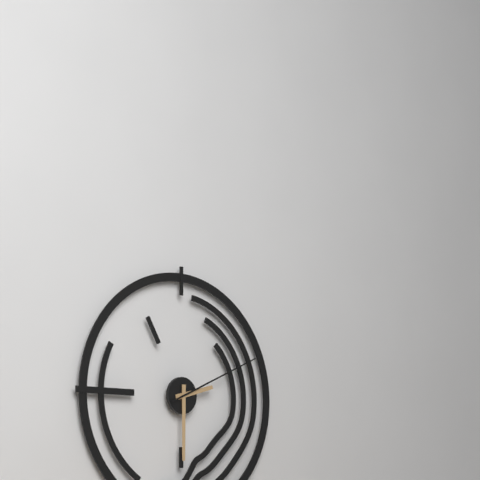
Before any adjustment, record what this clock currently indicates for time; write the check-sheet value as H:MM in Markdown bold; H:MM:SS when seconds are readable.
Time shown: **2:30:11**
